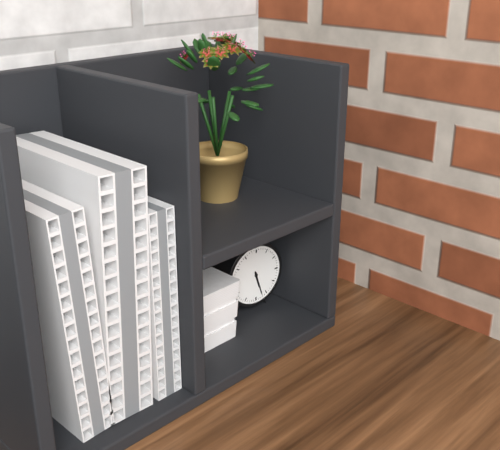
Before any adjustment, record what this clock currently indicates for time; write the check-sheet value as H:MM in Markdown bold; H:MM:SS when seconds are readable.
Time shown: **5:27**
